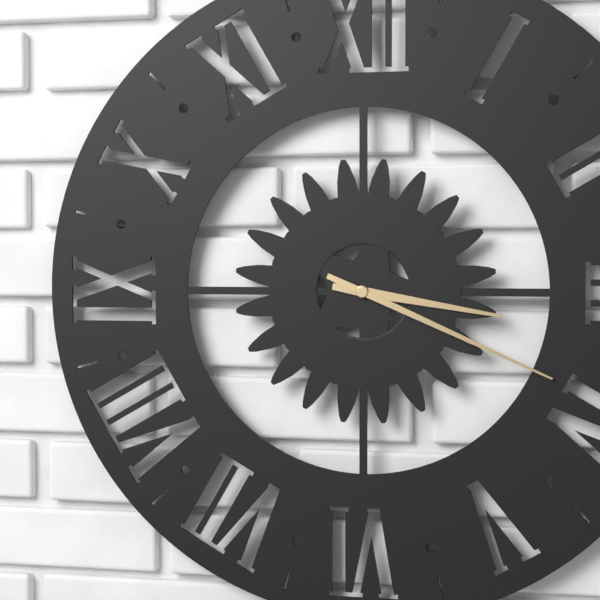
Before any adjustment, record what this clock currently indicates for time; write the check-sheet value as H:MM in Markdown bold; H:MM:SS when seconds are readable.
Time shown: **3:19**
